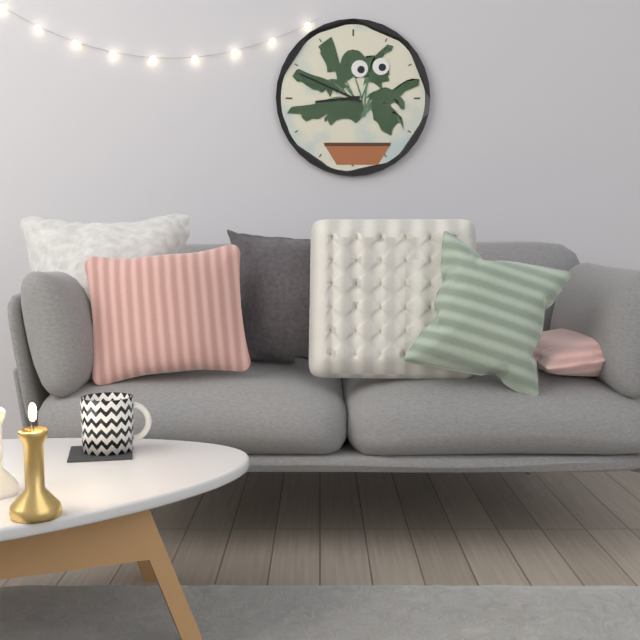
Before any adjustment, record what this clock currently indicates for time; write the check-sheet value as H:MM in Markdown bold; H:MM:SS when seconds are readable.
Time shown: **8:49**
